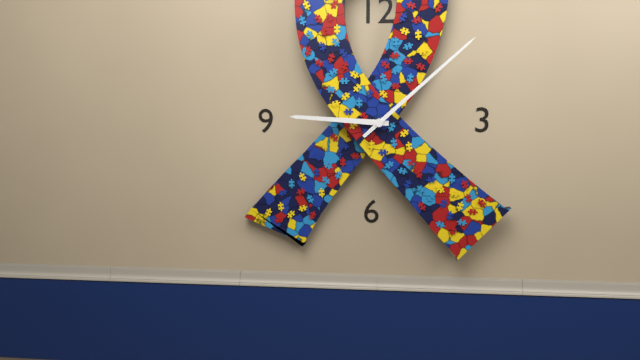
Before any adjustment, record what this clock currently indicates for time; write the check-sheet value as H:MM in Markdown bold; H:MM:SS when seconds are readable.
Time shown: **9:08**
